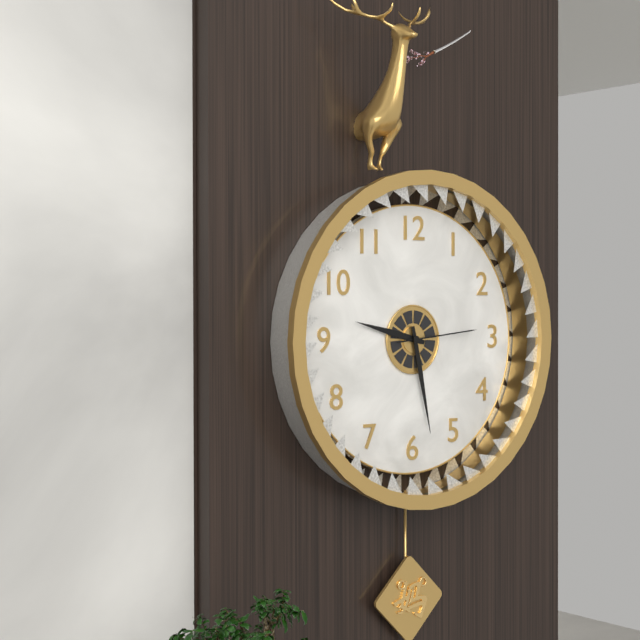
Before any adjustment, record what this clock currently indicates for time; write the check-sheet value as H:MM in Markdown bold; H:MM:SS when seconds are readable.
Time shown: **9:28:14**
